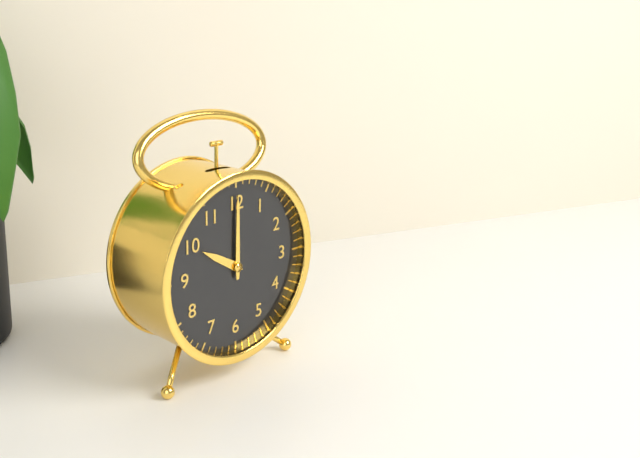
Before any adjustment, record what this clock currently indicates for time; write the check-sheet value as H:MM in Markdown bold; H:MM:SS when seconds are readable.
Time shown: **10:00**
